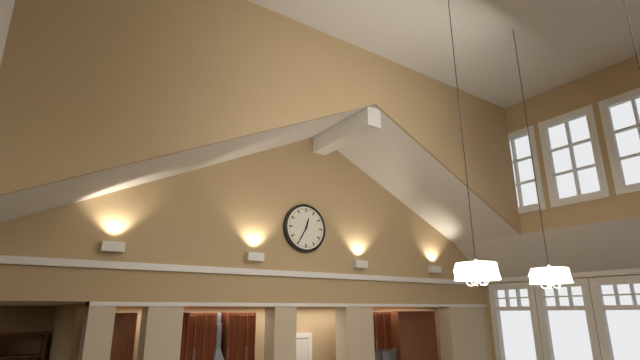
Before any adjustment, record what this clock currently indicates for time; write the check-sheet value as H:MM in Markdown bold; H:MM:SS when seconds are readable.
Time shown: **12:35**
